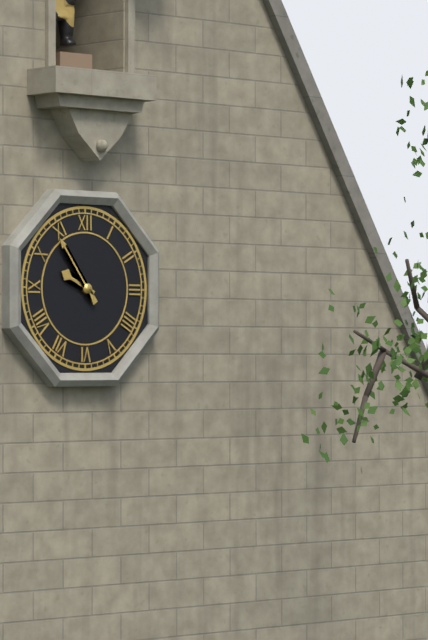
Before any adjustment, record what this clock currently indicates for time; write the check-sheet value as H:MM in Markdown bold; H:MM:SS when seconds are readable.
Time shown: **9:54**
